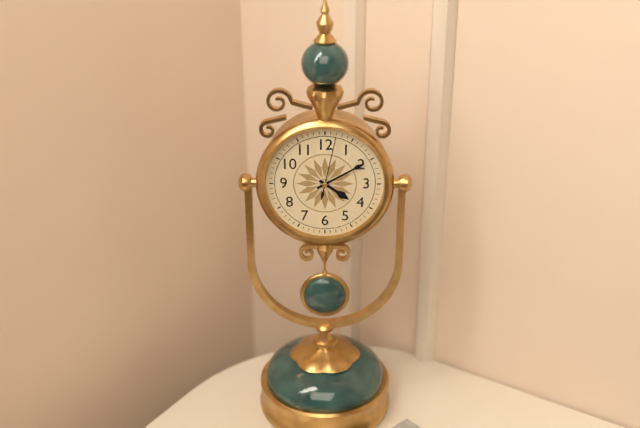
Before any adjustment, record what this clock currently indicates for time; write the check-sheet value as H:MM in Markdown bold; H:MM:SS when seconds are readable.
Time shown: **4:10:02**
